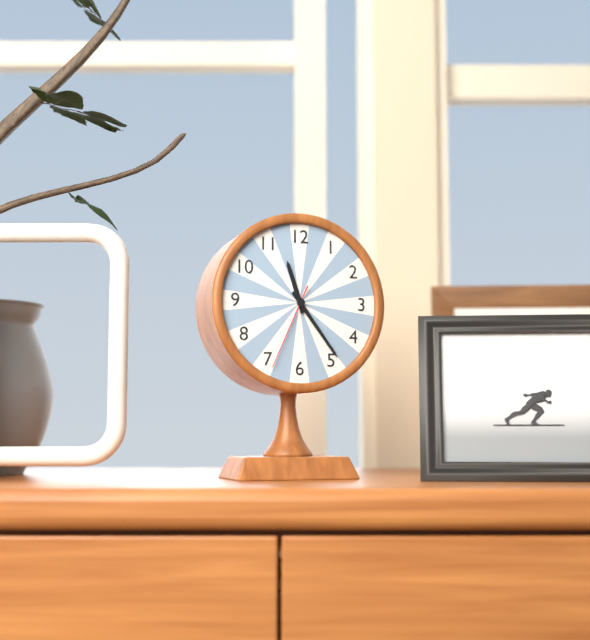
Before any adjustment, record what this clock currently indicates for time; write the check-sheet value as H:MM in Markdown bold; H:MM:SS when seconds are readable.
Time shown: **11:24:34**
